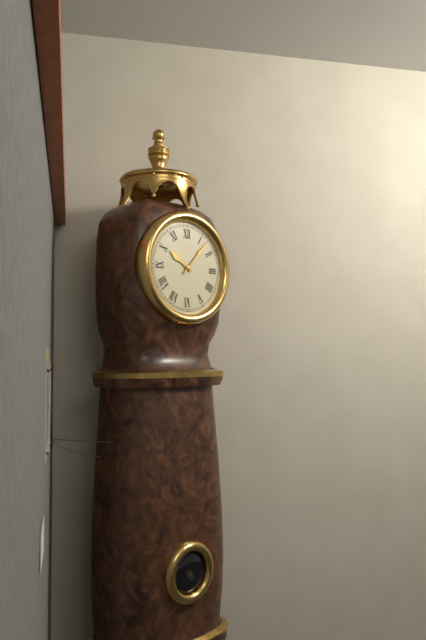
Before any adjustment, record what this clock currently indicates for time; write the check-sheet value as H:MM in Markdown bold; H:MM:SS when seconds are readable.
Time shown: **10:07**
